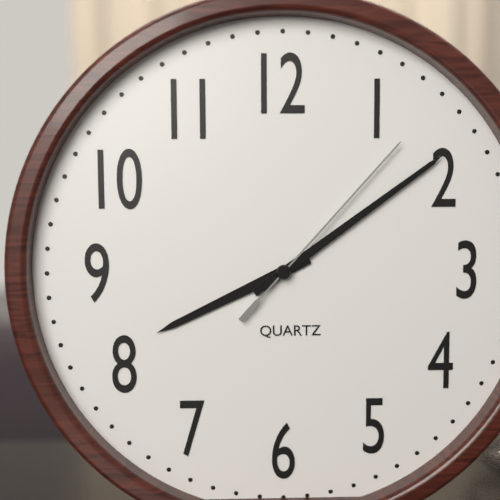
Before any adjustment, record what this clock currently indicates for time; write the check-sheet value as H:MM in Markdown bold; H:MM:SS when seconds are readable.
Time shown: **8:09:07**
